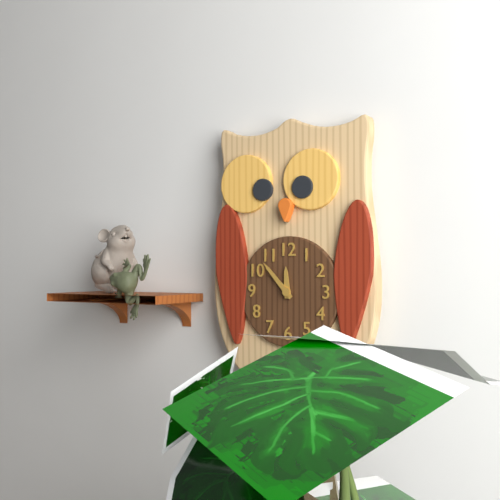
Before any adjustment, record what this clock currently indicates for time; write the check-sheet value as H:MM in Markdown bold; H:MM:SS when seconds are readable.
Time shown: **11:53**
